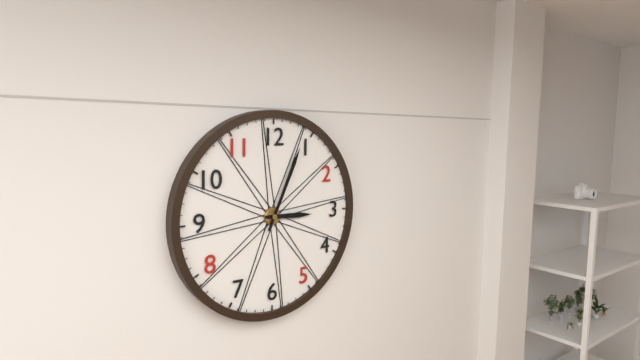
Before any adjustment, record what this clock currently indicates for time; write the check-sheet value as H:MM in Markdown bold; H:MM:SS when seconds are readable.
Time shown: **3:04**
